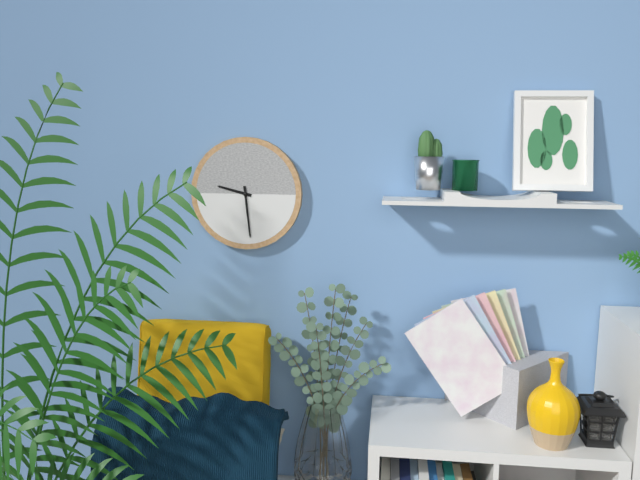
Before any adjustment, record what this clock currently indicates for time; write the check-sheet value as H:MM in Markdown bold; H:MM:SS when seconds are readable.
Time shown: **9:29**
